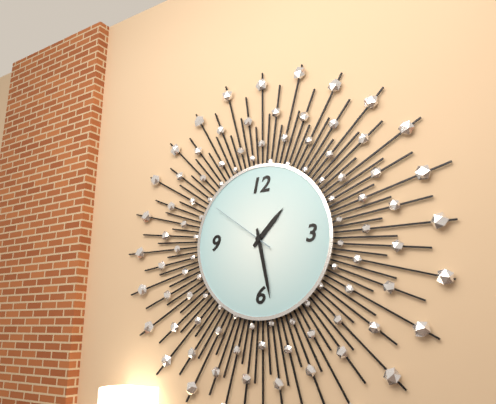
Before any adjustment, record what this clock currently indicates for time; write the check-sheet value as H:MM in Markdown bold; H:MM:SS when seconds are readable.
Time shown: **1:28:51**
